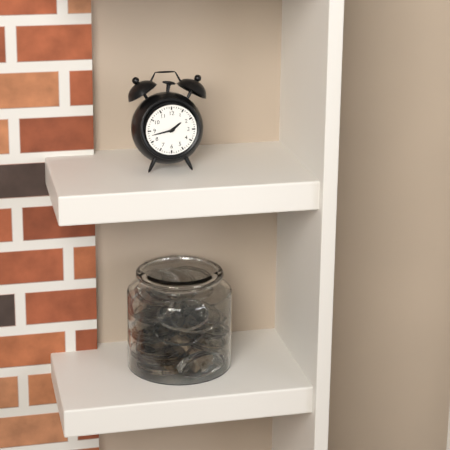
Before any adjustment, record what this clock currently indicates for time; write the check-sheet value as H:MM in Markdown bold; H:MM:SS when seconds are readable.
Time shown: **1:43**
